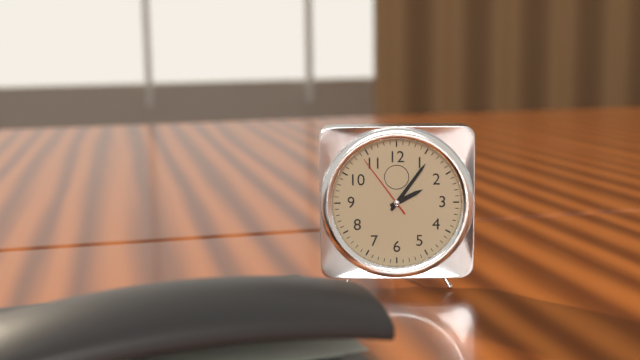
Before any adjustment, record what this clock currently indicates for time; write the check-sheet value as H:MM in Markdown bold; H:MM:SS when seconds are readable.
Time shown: **2:06:54**
